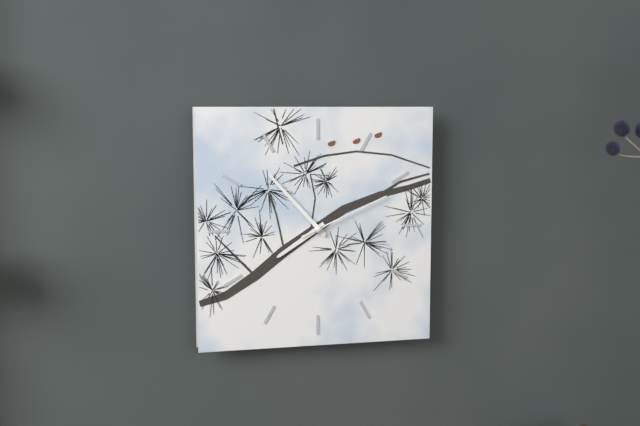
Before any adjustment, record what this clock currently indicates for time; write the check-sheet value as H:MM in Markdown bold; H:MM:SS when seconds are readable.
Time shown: **7:53:11**
